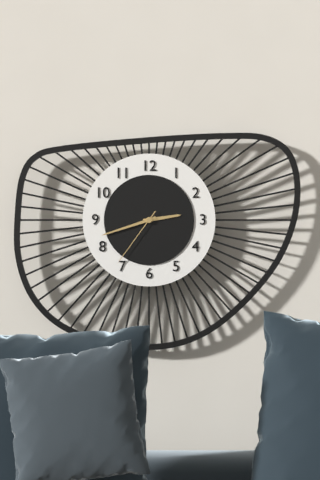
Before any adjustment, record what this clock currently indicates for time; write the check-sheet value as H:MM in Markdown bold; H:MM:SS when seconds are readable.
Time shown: **2:42:36**
